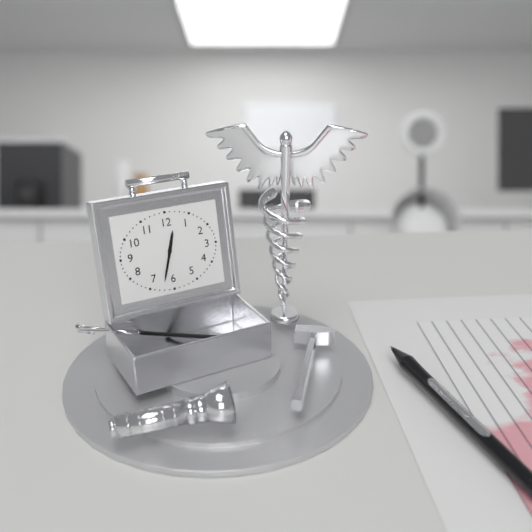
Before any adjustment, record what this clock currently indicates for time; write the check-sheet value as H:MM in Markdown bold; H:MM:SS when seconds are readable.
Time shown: **12:33**
